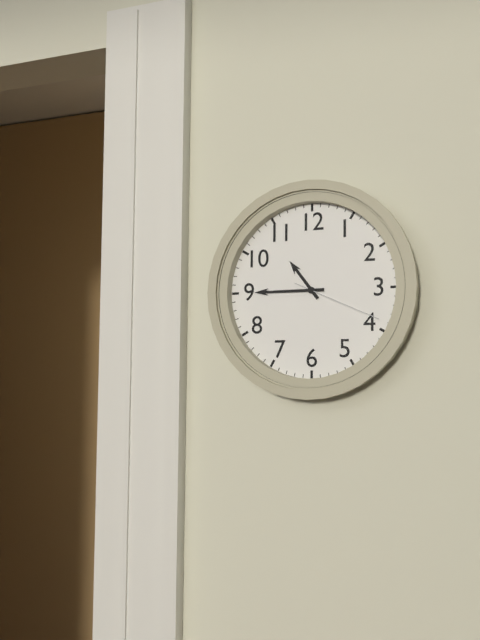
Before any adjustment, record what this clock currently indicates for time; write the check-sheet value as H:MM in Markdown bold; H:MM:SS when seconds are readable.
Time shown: **10:45:19**
